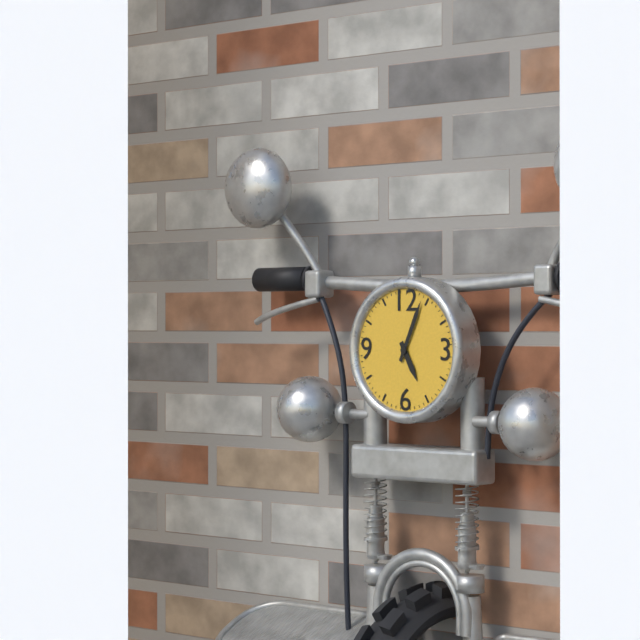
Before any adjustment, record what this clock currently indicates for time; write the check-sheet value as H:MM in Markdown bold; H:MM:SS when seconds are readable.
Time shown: **5:04**
